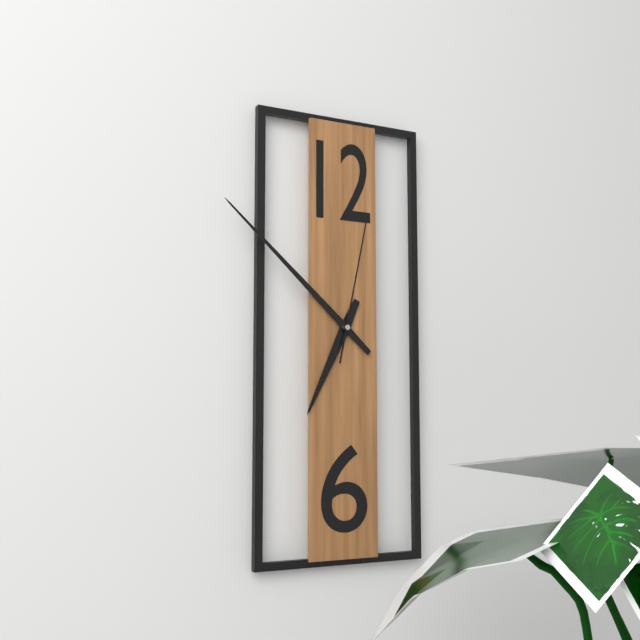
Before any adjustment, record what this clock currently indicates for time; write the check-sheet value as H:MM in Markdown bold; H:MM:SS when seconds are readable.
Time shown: **6:52:02**
